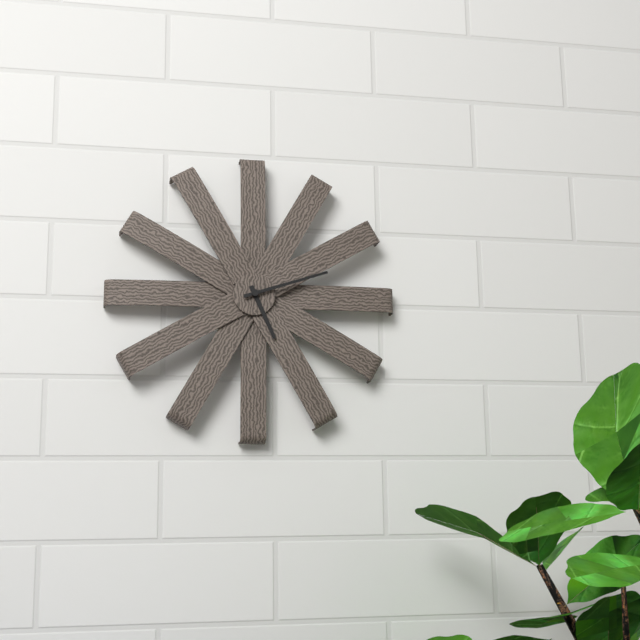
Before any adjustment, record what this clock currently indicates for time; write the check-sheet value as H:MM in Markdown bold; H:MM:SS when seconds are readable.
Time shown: **5:12**
